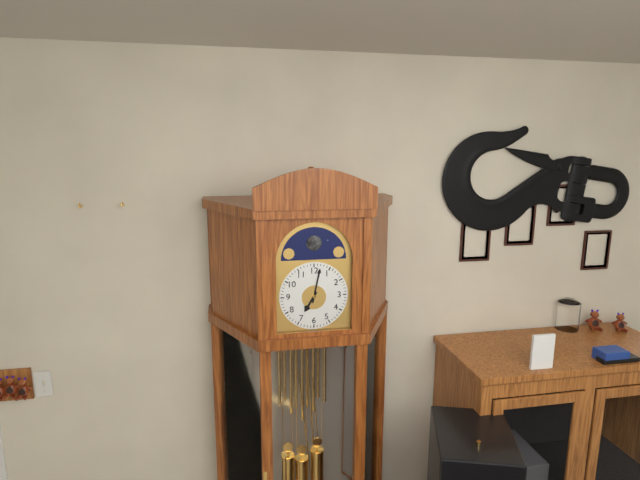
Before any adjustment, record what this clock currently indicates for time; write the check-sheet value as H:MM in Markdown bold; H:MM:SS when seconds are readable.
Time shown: **7:02**
